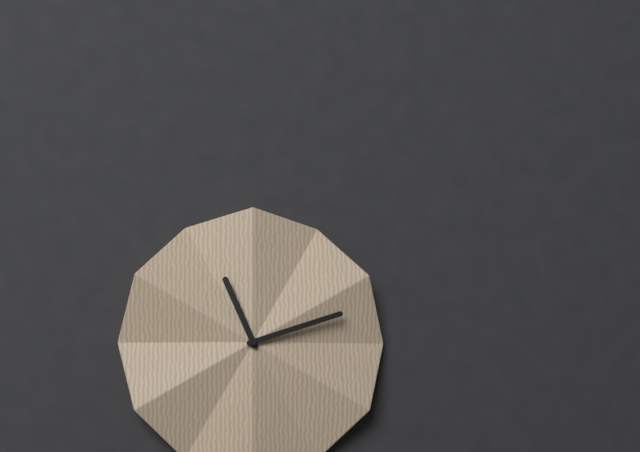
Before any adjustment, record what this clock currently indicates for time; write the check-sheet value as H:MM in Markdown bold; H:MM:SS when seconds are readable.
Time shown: **11:12**
